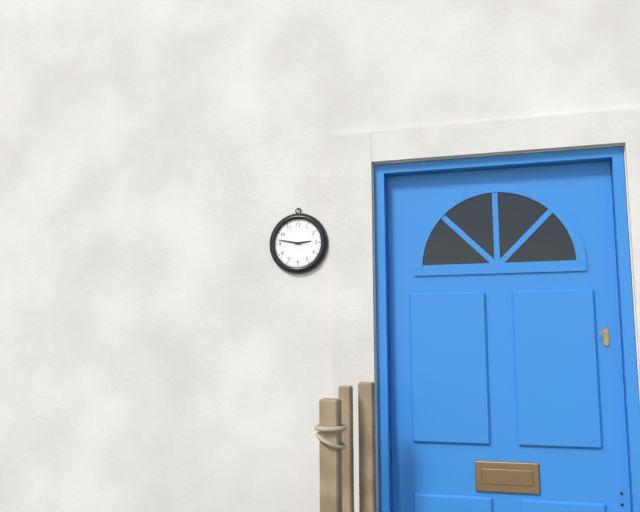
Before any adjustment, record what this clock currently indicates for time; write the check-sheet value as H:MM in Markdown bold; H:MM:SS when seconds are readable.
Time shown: **2:47**
